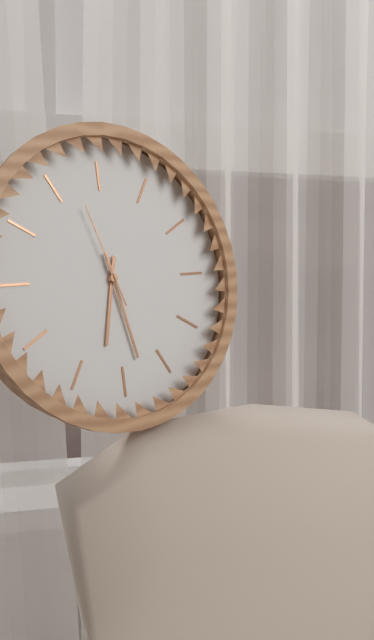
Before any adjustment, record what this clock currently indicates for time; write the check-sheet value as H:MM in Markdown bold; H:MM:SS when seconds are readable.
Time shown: **6:28:57**
